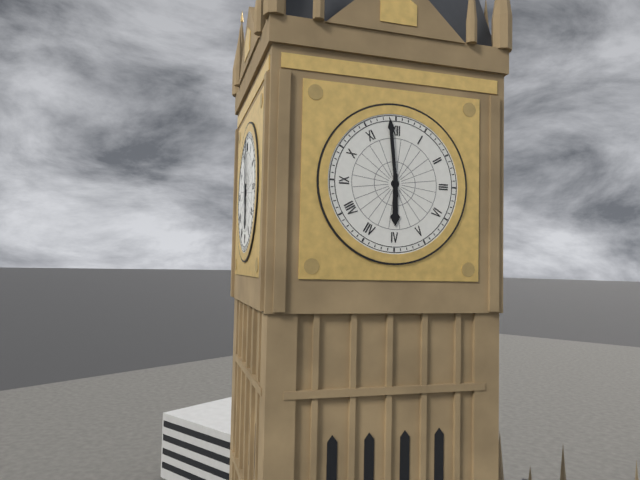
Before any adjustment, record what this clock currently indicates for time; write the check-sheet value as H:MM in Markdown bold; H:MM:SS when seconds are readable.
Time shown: **5:59**
